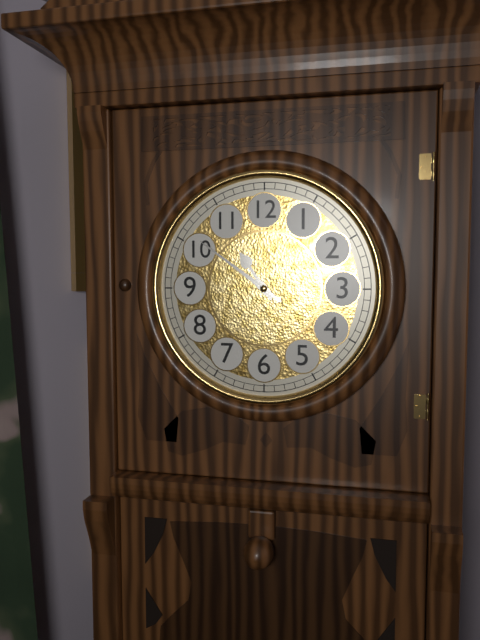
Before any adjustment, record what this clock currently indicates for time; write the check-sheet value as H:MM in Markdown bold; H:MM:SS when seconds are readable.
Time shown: **10:51**
